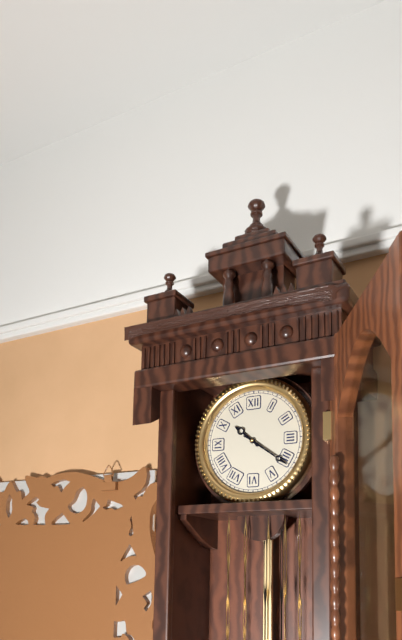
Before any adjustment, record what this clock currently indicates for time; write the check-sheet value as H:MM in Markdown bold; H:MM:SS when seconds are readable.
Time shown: **10:21**
